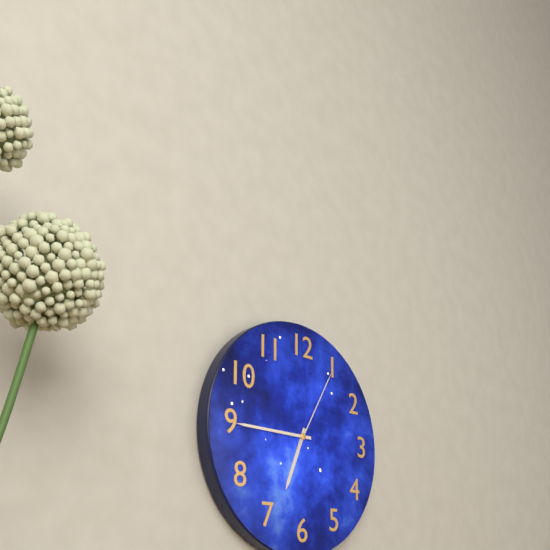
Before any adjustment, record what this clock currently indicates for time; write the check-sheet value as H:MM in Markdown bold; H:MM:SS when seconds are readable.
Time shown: **6:45:05**
